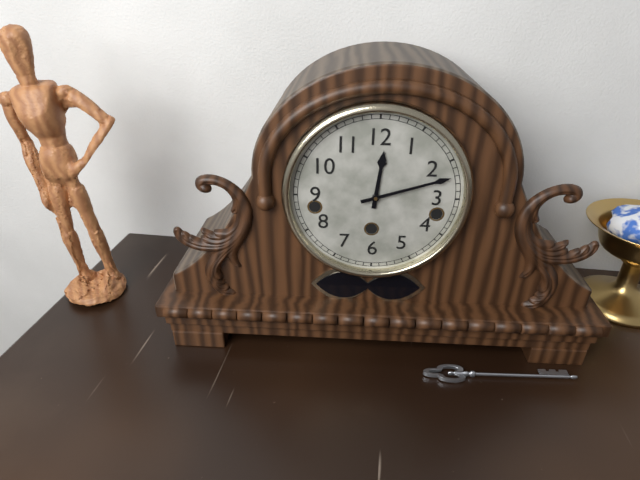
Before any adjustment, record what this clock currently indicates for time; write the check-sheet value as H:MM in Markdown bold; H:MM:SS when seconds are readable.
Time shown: **12:12**
